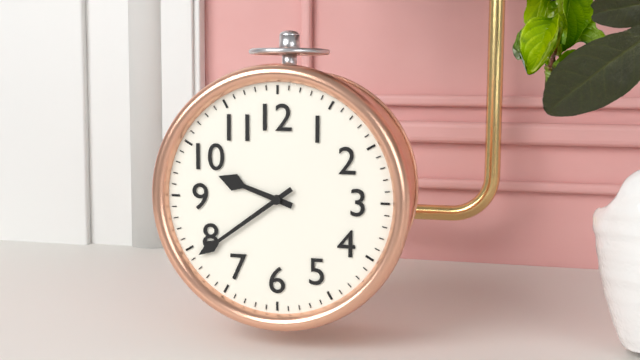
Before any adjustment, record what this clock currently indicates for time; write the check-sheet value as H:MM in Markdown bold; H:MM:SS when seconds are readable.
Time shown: **9:39**
